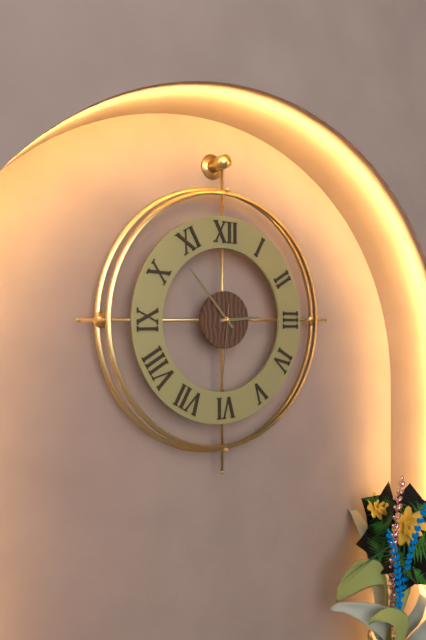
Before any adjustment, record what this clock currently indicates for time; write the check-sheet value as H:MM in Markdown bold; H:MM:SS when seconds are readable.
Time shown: **2:53:31**
